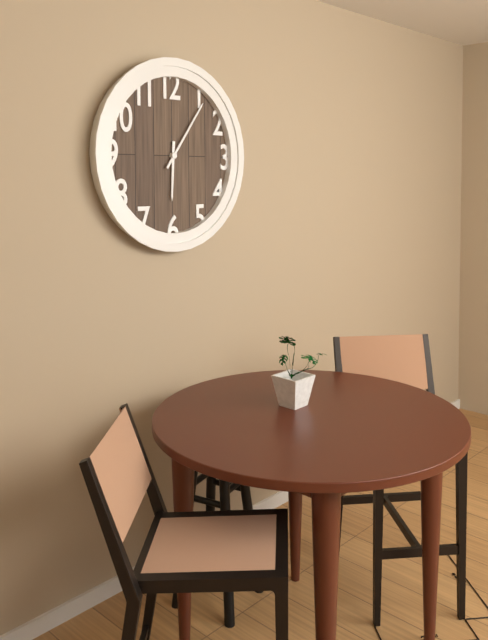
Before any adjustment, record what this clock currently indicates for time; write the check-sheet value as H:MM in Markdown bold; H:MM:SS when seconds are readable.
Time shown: **6:06**
